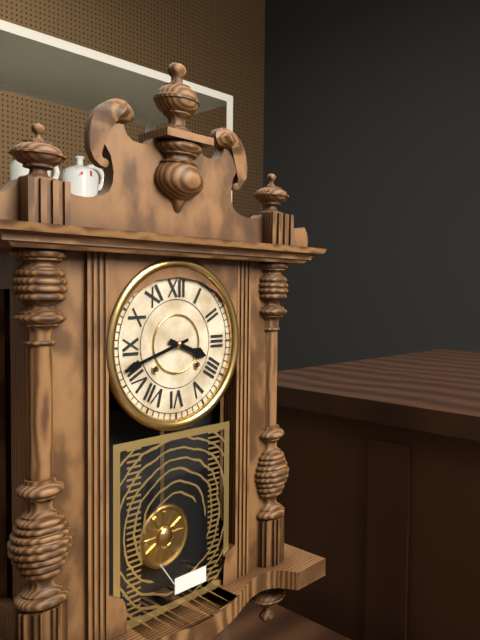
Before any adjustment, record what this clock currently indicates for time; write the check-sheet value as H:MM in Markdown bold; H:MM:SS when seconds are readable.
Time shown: **3:42**
